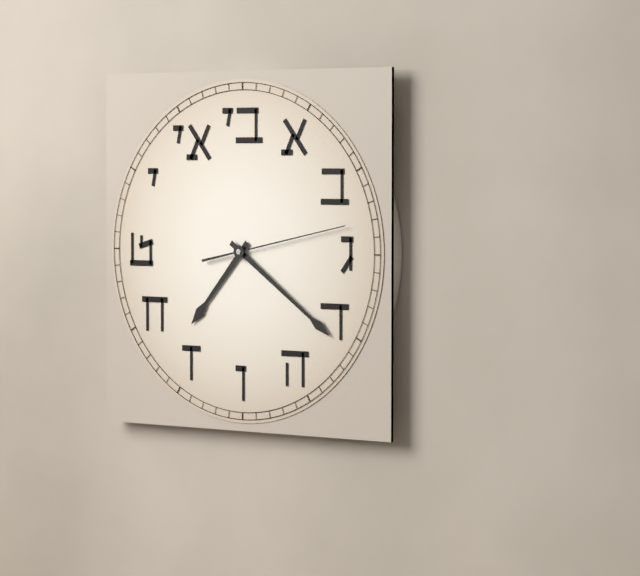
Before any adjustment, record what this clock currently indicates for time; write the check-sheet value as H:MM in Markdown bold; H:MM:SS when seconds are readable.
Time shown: **7:21:13**
